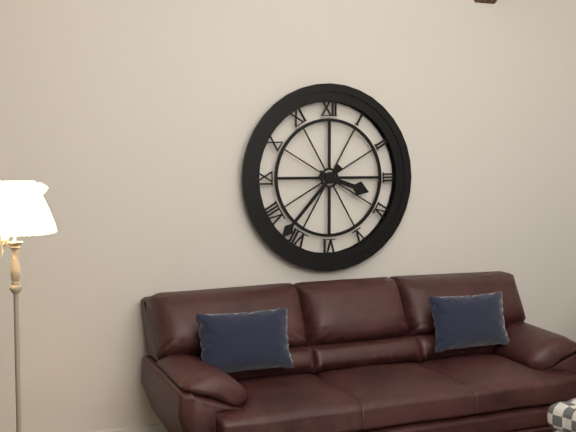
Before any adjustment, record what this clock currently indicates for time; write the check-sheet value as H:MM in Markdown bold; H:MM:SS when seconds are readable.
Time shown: **3:37**
